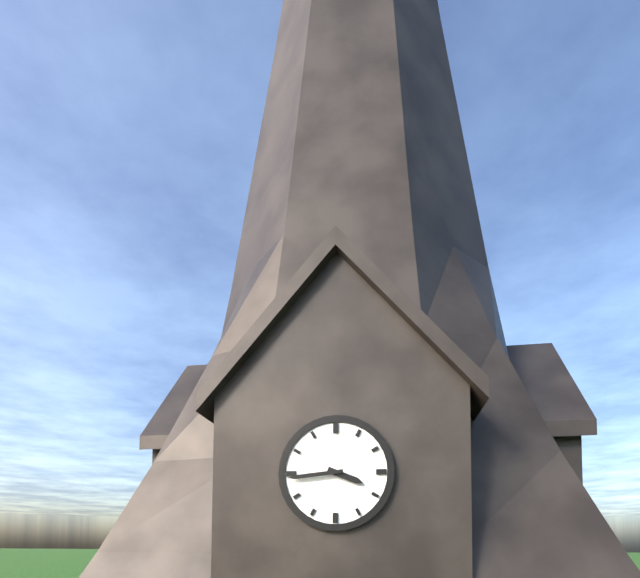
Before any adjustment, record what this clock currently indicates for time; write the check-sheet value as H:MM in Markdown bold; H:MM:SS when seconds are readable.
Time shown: **3:44**
